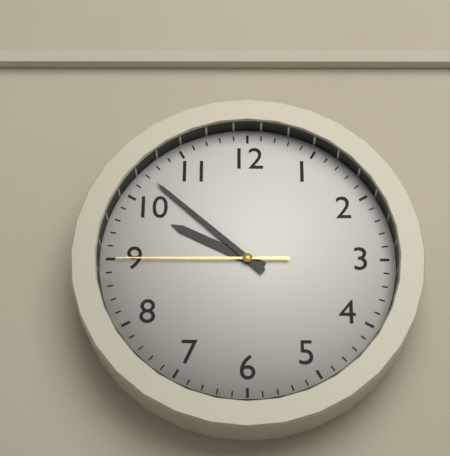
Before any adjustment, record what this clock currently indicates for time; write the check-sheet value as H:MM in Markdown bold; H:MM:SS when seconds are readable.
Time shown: **9:52:45**
